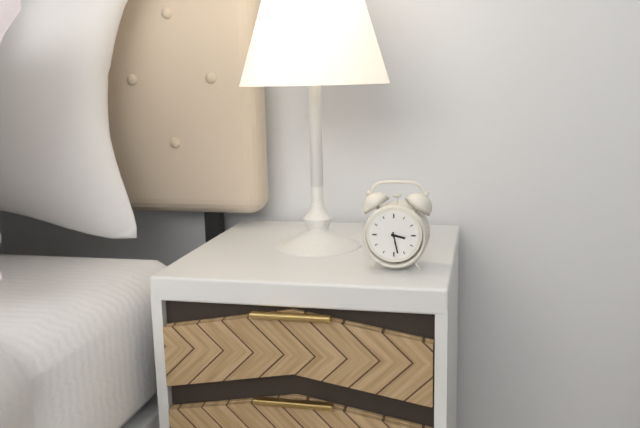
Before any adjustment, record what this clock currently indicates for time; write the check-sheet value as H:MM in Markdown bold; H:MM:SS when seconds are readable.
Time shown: **3:28**
